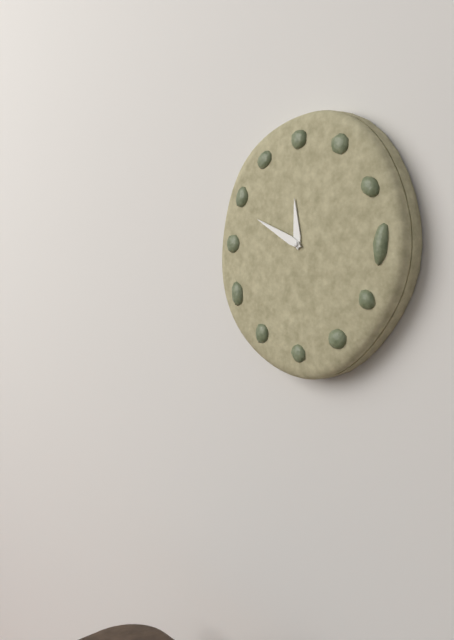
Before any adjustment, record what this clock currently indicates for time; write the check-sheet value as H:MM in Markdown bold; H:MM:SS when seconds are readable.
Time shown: **11:49**
